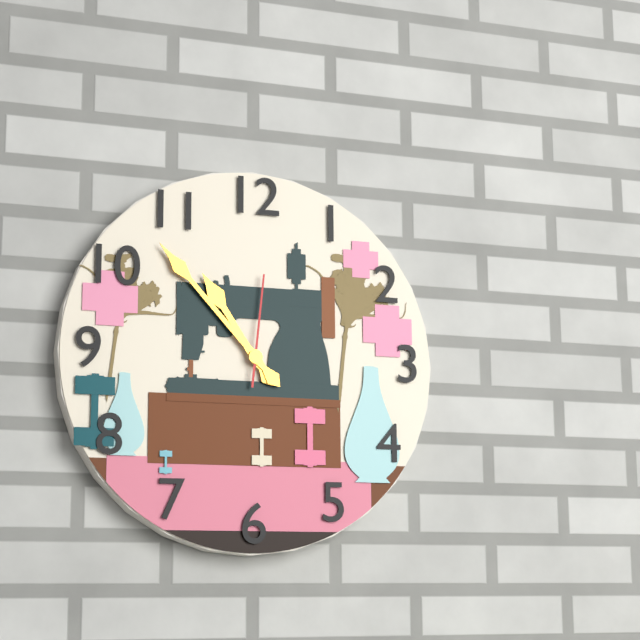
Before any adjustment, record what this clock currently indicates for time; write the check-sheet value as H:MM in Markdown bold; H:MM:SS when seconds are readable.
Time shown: **10:53:01**
